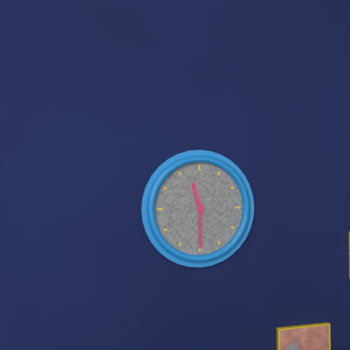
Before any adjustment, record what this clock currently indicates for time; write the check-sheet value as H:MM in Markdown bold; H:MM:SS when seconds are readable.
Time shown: **11:30**
